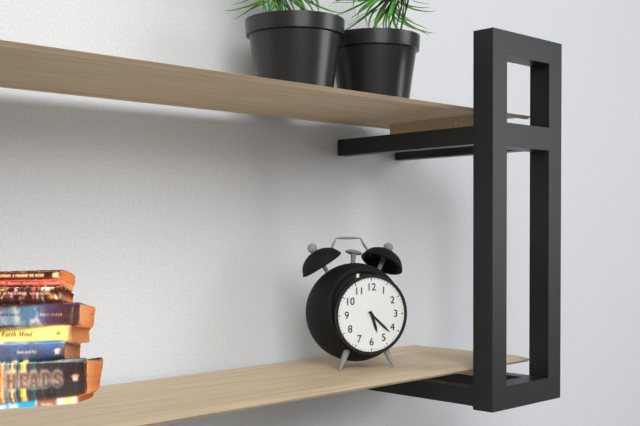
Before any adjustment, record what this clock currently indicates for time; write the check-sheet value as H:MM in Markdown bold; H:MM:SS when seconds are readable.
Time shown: **5:22**
